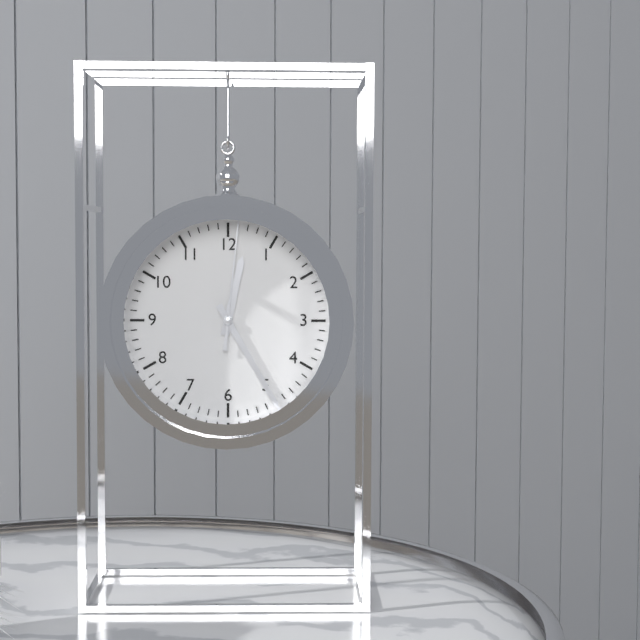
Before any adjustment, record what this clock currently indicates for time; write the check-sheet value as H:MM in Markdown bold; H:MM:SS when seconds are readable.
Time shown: **12:25:01**
